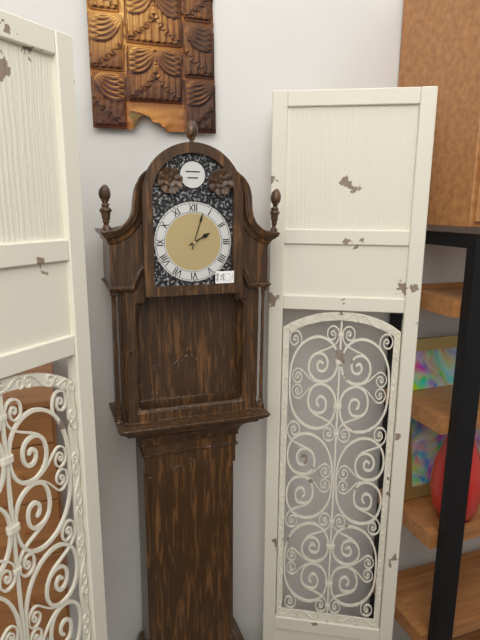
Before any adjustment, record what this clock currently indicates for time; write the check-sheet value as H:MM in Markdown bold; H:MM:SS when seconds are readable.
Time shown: **2:03**
